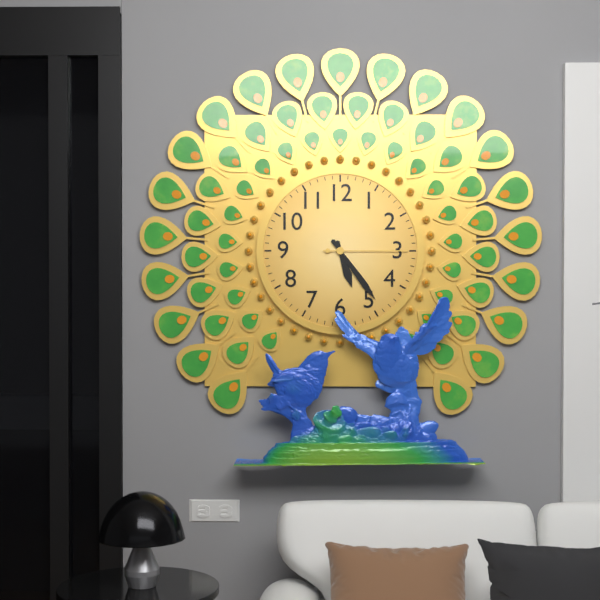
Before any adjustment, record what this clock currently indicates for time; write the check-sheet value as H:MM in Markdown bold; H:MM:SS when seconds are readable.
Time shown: **5:24:15**
